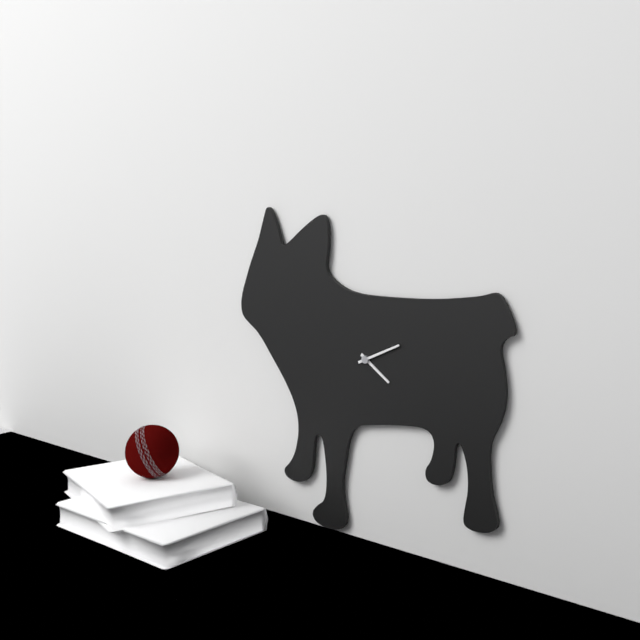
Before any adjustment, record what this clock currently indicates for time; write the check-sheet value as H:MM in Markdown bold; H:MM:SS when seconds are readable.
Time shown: **4:11**
